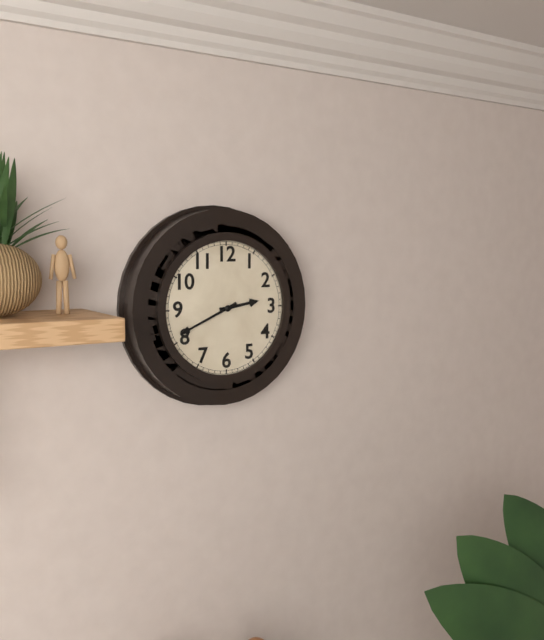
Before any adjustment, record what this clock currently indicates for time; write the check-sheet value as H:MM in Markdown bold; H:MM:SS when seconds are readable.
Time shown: **2:41**
